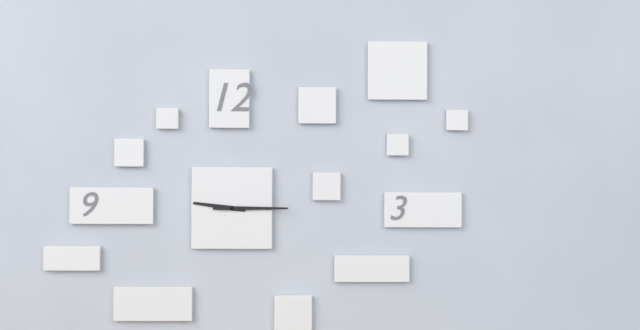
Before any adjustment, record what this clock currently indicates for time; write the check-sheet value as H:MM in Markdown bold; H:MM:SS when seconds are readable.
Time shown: **9:15**
